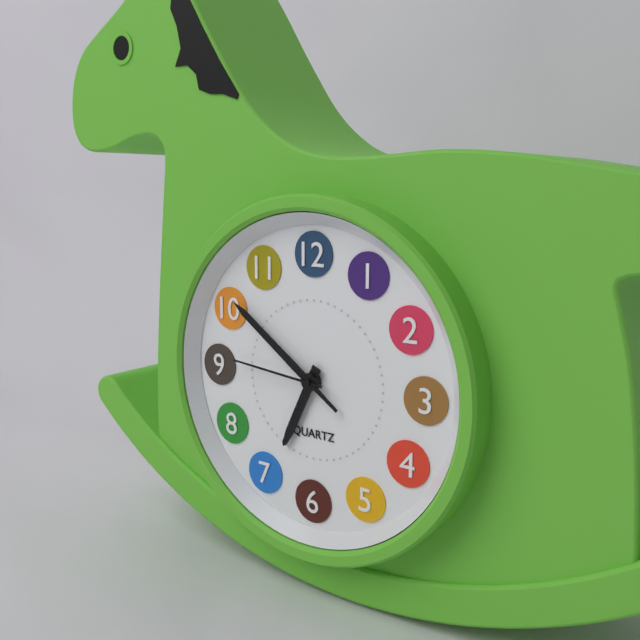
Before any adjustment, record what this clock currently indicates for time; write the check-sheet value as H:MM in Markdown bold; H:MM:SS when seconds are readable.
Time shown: **6:51:46**
